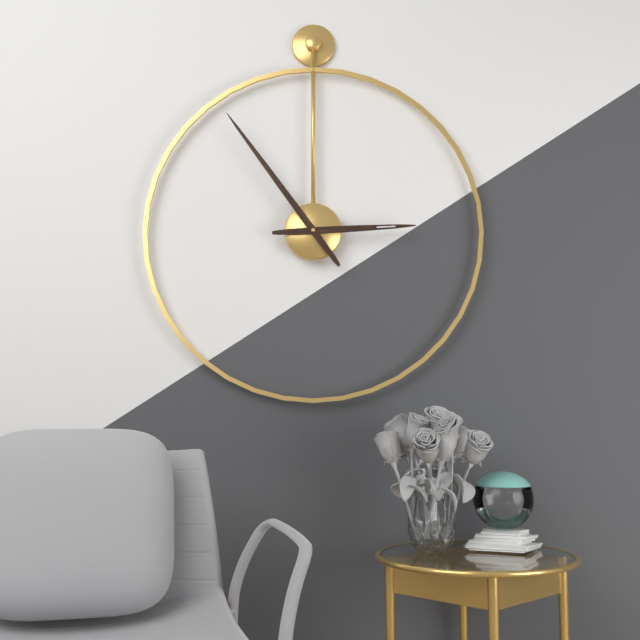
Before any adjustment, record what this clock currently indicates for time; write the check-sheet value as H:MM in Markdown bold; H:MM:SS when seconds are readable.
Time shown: **2:54**
